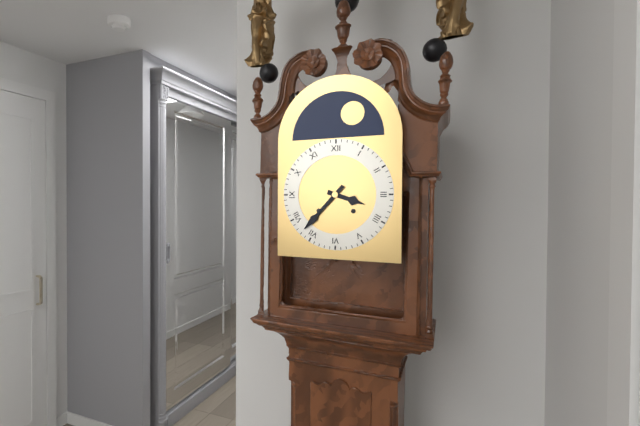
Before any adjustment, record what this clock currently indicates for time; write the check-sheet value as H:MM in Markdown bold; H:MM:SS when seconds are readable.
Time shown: **3:37**
